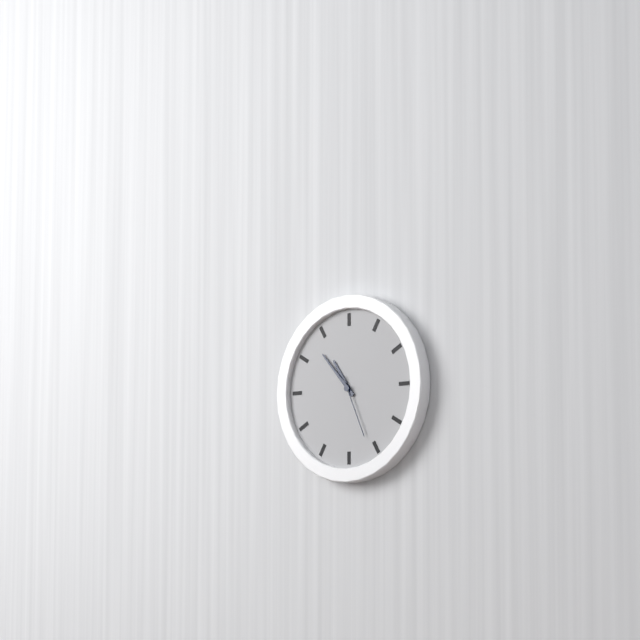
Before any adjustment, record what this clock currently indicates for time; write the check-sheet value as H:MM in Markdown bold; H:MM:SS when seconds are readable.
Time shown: **10:53:26**
